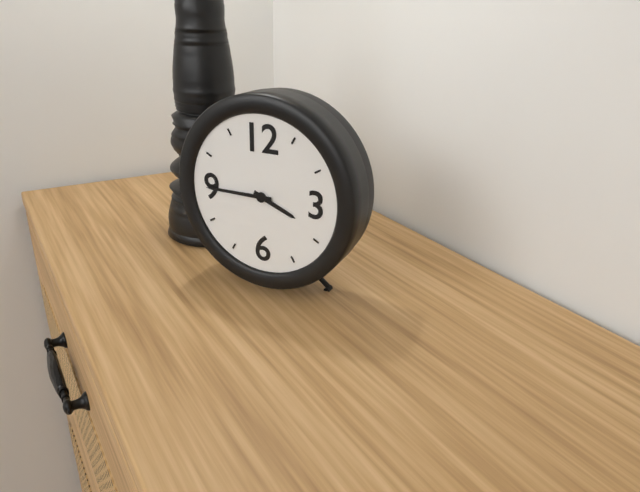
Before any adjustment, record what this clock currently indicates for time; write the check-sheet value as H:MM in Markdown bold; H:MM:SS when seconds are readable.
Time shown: **3:45**
